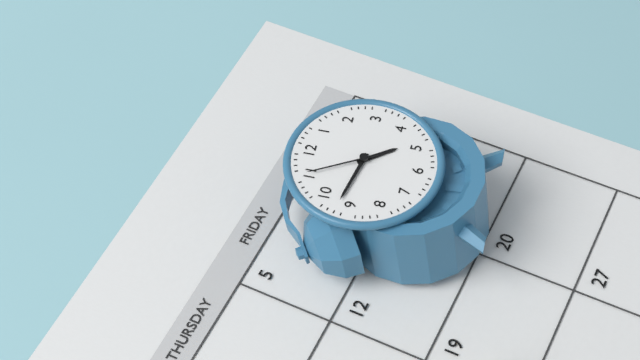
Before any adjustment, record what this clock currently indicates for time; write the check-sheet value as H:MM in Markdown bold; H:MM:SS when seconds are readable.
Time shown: **4:47:55**
